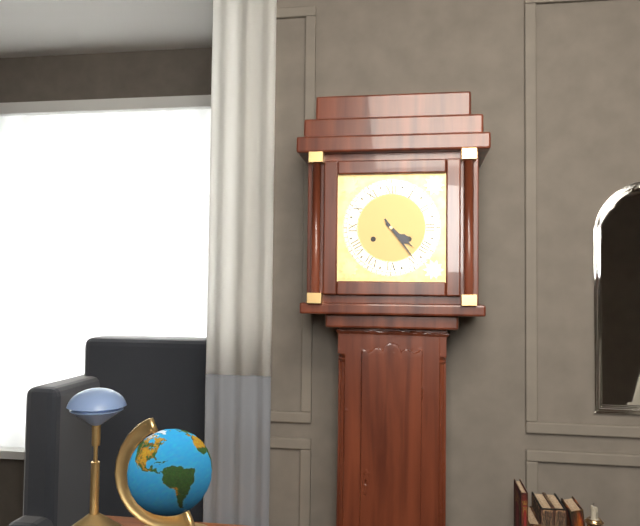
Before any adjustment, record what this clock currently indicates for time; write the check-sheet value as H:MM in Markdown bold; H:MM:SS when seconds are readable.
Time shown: **4:24**
